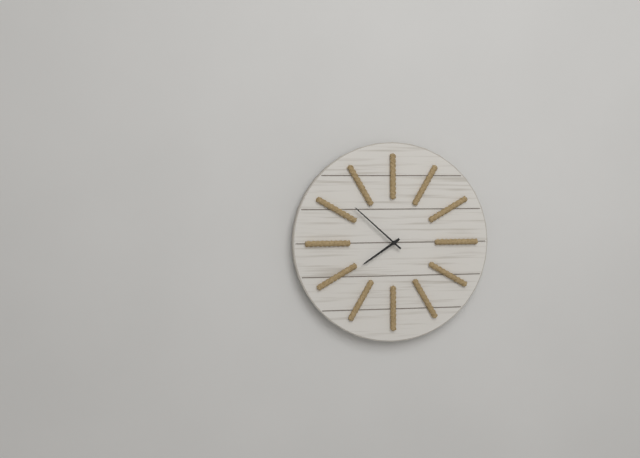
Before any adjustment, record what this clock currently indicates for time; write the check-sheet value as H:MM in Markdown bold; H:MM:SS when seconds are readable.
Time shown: **7:52**
